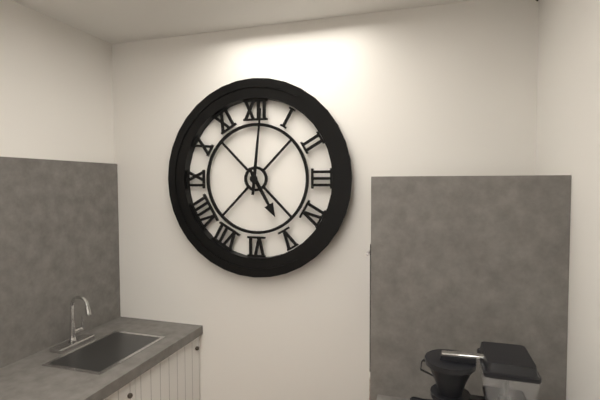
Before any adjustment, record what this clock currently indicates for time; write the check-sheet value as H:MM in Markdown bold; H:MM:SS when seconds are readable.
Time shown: **5:01**
